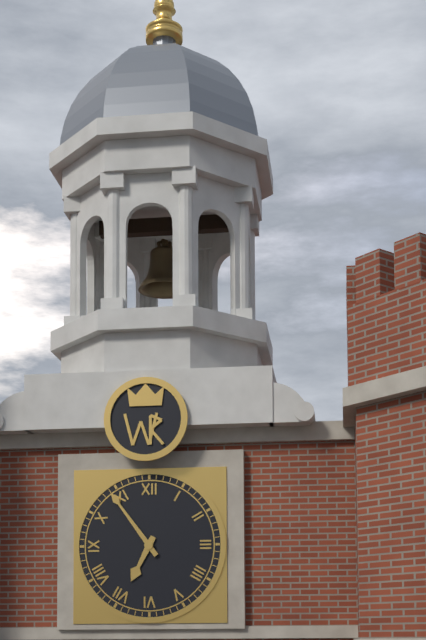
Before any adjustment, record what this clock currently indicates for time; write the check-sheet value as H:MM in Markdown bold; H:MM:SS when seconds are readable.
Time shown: **6:54**
